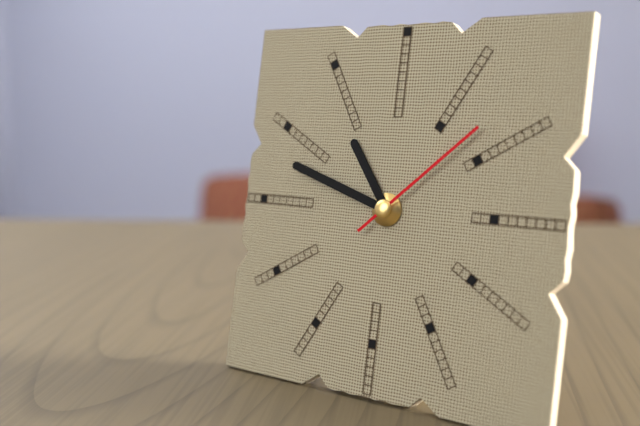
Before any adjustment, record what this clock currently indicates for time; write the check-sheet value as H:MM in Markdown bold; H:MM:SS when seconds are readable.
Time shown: **10:48:08**
